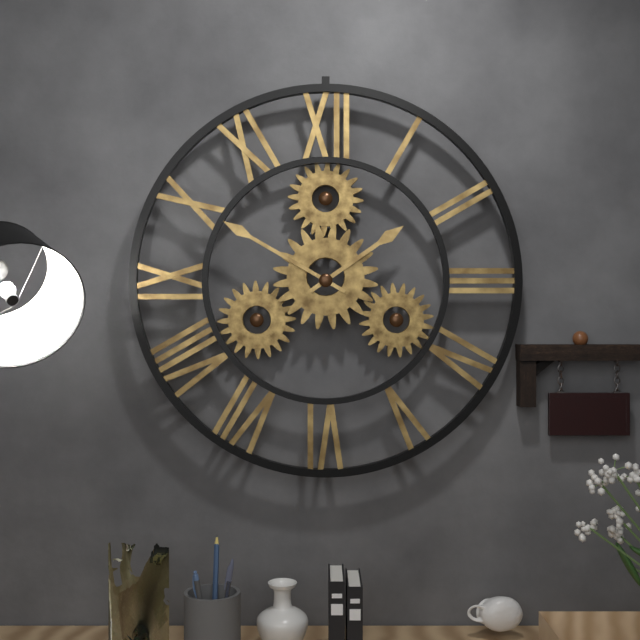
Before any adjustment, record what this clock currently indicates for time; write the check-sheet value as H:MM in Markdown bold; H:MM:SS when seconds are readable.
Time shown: **1:50**
